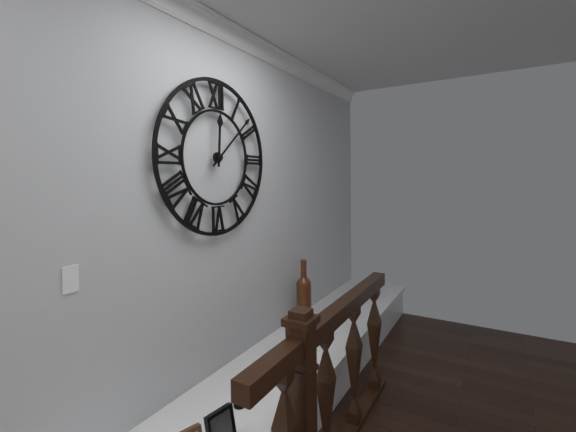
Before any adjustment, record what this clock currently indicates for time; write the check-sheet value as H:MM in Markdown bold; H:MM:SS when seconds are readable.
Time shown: **12:08**
